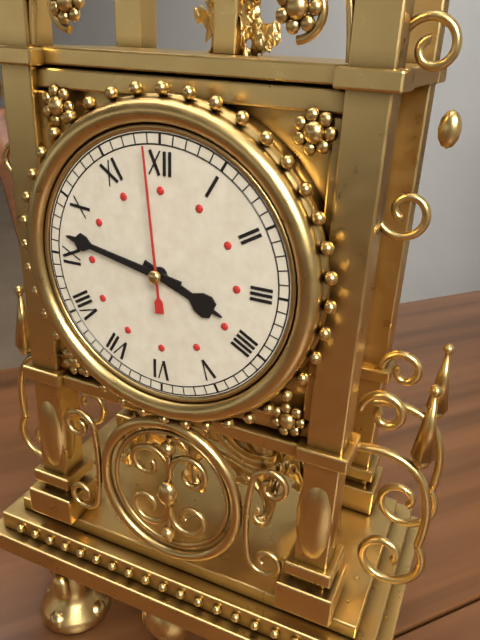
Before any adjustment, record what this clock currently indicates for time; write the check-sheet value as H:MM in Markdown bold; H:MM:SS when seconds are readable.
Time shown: **3:47:59**
